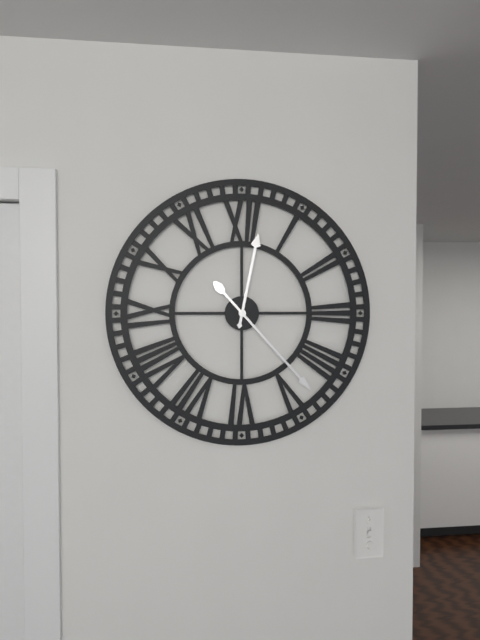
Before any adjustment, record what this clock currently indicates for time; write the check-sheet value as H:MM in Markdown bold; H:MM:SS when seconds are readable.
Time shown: **12:23**
